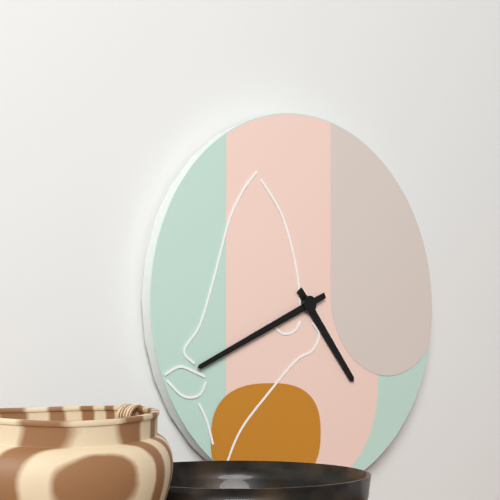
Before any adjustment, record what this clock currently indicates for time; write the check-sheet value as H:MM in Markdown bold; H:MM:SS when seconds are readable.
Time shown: **4:41**
